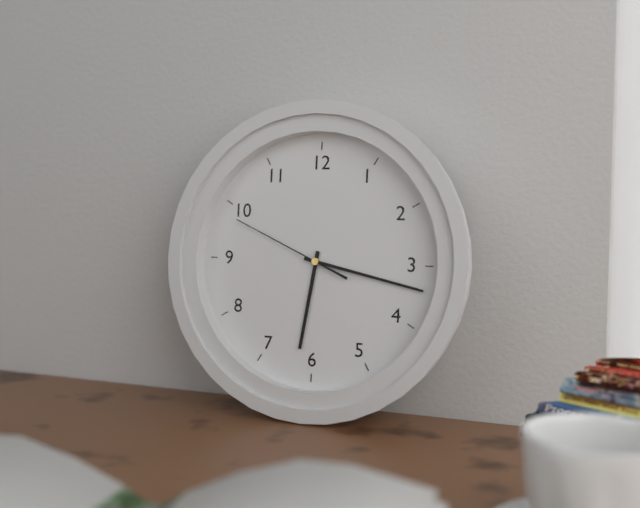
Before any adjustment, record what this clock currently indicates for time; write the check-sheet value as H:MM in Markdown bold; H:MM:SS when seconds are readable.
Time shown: **6:17:49**
